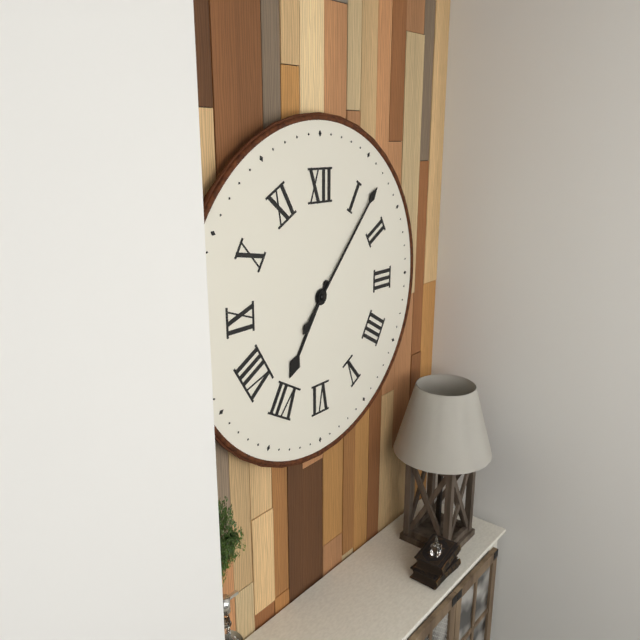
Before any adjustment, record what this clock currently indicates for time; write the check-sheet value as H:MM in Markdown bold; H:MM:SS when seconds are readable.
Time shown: **7:07**
